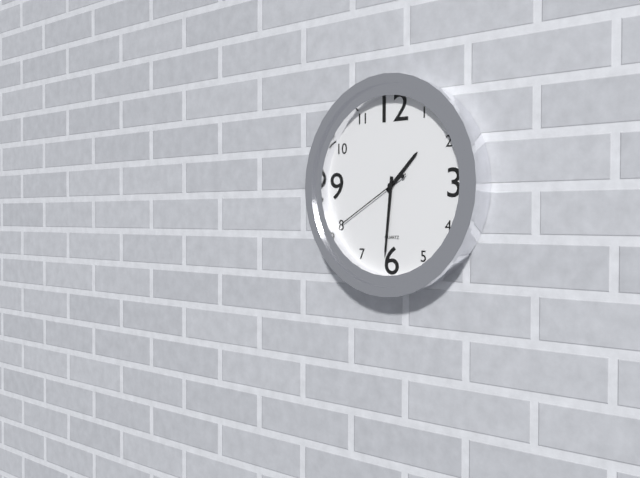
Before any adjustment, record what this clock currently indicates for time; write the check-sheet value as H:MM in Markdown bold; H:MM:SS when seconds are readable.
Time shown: **1:31:40**
